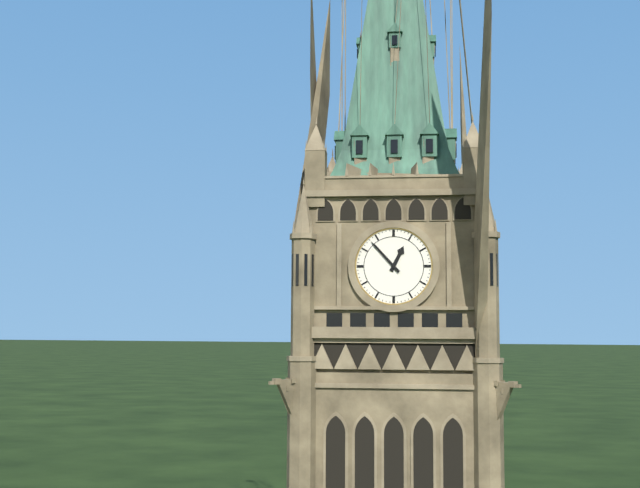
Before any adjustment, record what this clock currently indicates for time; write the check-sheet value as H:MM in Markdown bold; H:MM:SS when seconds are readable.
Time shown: **12:53**
